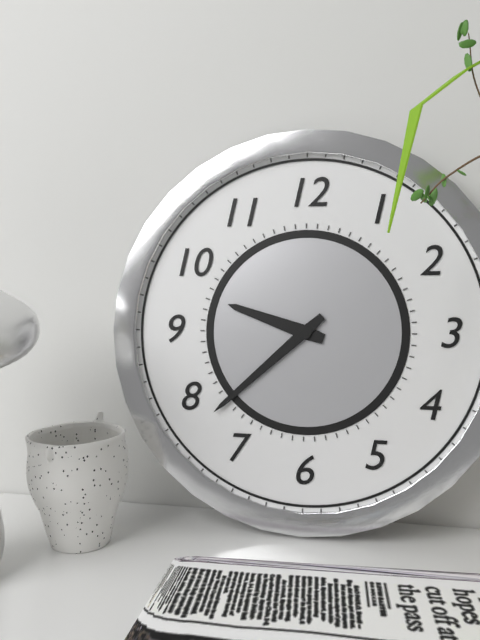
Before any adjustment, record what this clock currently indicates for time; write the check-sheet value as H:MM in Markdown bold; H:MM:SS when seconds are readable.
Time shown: **9:38**
